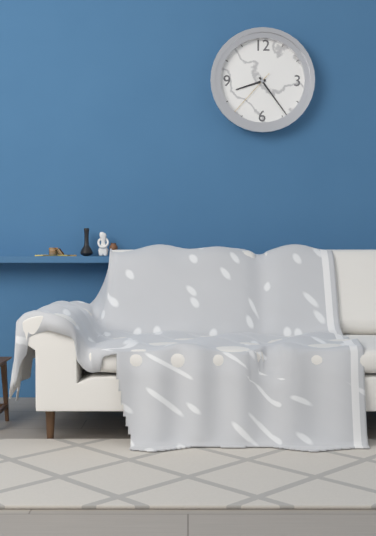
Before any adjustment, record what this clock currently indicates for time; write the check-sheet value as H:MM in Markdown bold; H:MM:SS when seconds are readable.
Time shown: **8:24:37**
